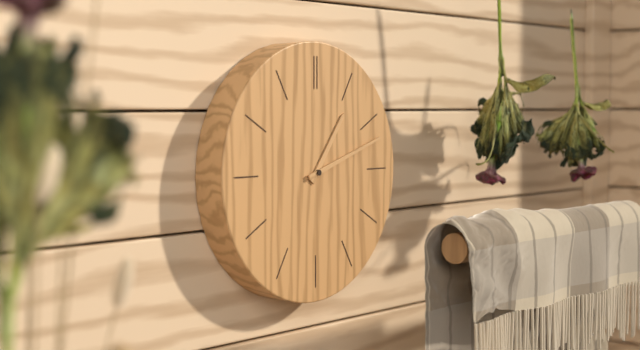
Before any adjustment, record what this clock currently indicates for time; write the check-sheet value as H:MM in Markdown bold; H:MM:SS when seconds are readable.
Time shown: **1:12**
